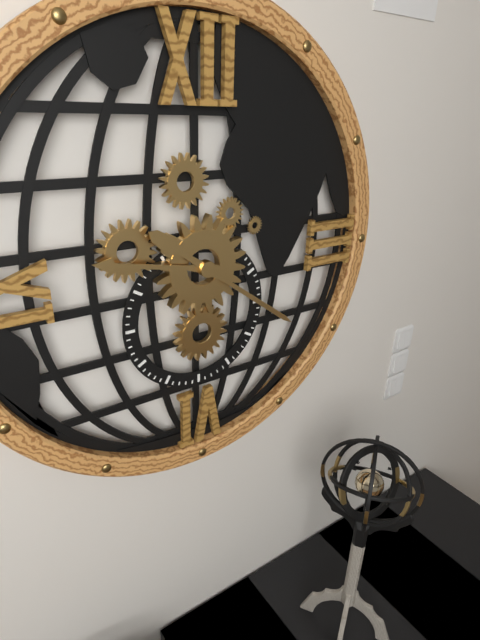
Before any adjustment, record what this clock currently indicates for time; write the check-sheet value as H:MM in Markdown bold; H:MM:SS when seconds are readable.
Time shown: **9:21**
